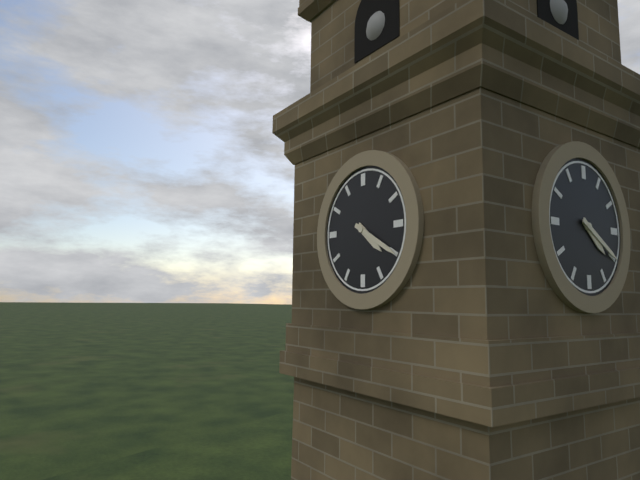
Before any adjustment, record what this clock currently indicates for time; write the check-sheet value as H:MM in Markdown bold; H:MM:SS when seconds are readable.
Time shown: **4:20**
